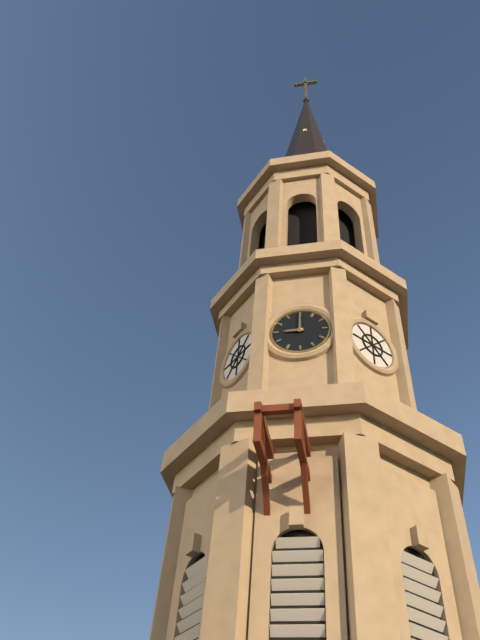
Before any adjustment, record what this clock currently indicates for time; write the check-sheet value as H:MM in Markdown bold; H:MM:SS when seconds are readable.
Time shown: **9:00**
